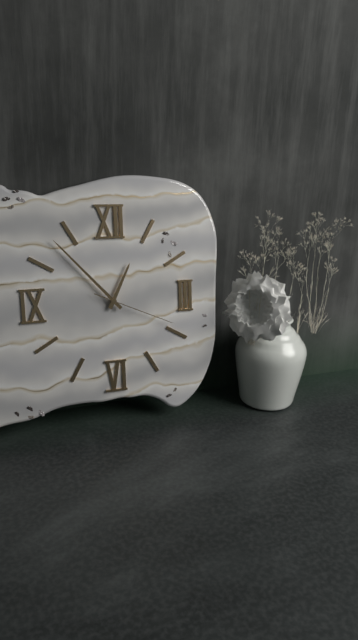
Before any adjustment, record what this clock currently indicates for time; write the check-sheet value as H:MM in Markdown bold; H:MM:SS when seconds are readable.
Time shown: **12:53:19**
